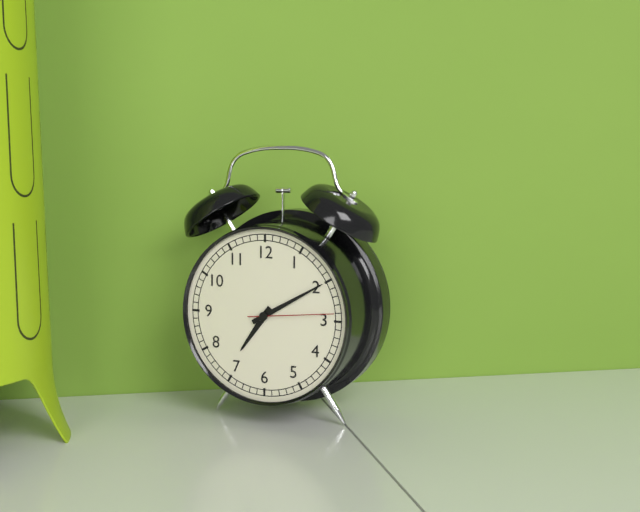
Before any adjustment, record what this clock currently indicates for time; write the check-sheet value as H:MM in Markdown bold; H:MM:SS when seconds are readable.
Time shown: **7:10:14**
